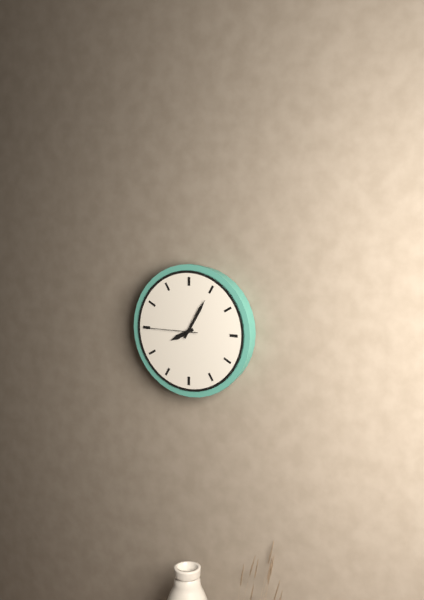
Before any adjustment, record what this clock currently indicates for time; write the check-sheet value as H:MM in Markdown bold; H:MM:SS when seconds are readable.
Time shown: **8:05:45**
